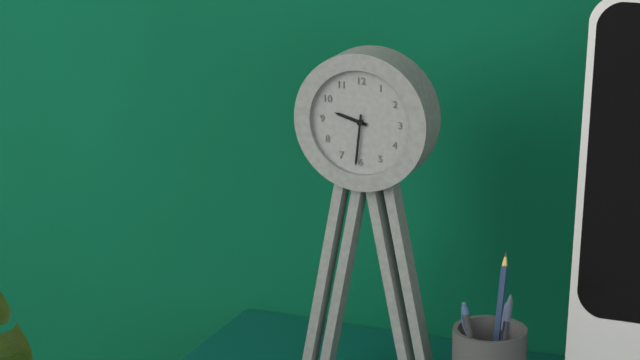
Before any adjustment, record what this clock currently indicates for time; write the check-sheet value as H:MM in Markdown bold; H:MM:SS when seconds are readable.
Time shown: **9:31**
